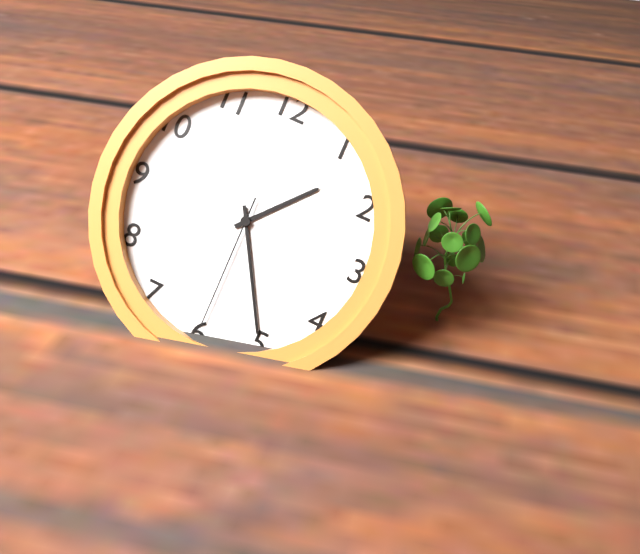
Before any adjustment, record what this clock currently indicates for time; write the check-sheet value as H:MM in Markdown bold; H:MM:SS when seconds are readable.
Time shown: **1:25:30**
